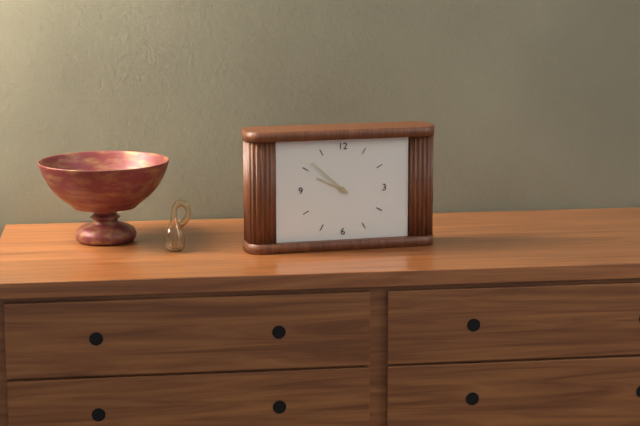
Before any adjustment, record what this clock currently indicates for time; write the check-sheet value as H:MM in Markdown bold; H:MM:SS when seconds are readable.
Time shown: **9:52**
